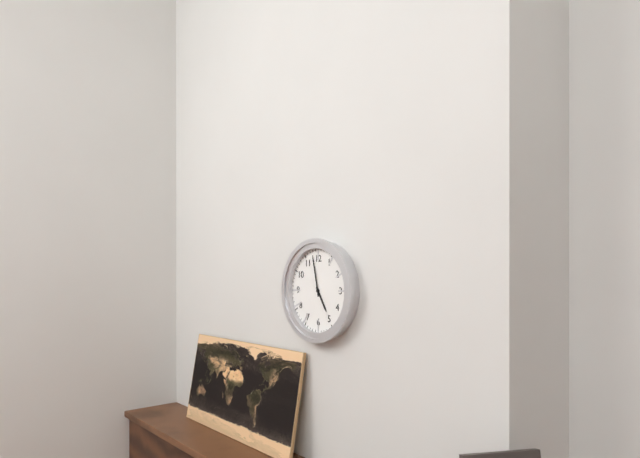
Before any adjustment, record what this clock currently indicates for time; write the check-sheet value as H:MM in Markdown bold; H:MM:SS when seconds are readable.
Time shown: **4:58**
